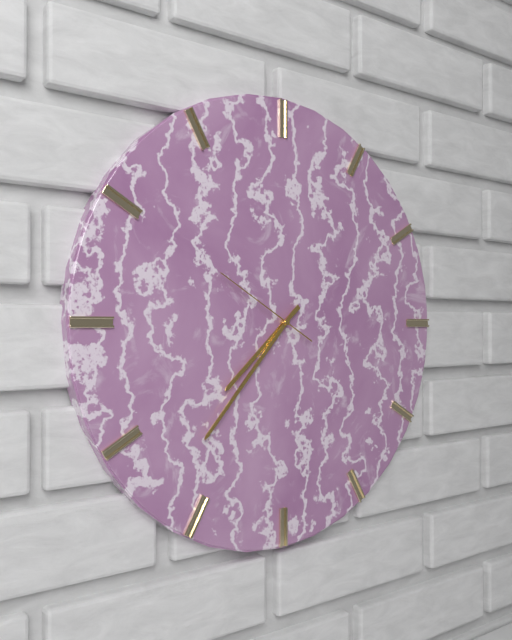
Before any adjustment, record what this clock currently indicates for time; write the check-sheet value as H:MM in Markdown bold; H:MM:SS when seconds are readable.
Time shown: **7:37:50**
